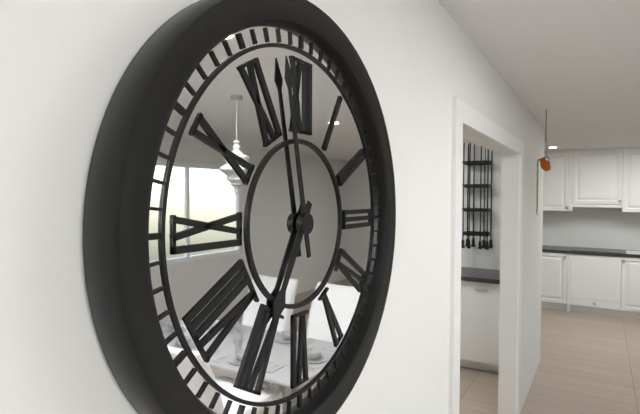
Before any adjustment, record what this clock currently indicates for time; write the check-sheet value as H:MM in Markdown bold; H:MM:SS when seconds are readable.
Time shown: **6:58**
